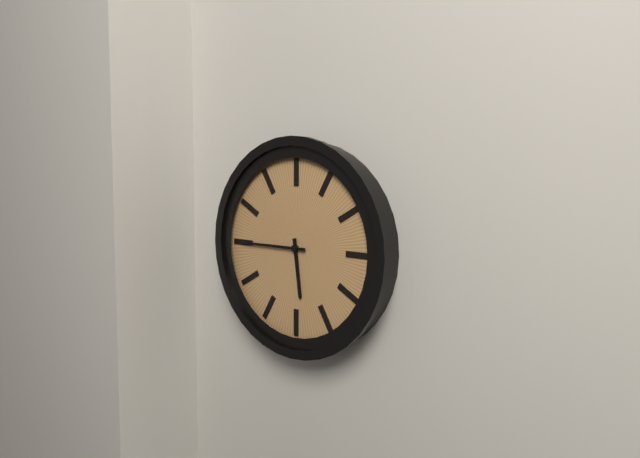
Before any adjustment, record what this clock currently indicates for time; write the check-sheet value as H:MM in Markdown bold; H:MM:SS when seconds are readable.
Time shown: **5:45**
